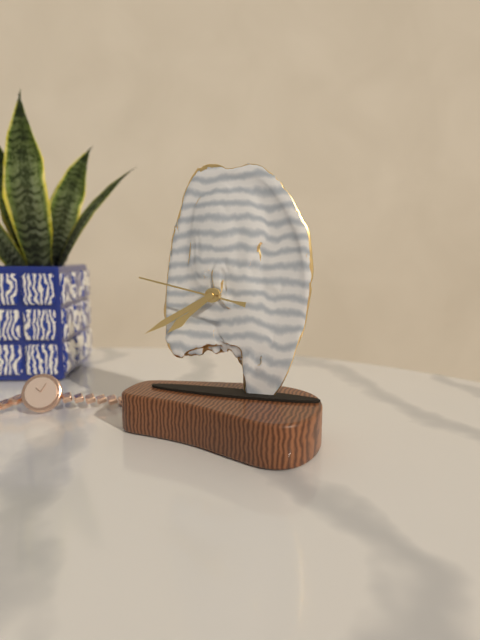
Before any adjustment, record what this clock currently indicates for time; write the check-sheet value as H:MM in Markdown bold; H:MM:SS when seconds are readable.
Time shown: **7:40:47**
